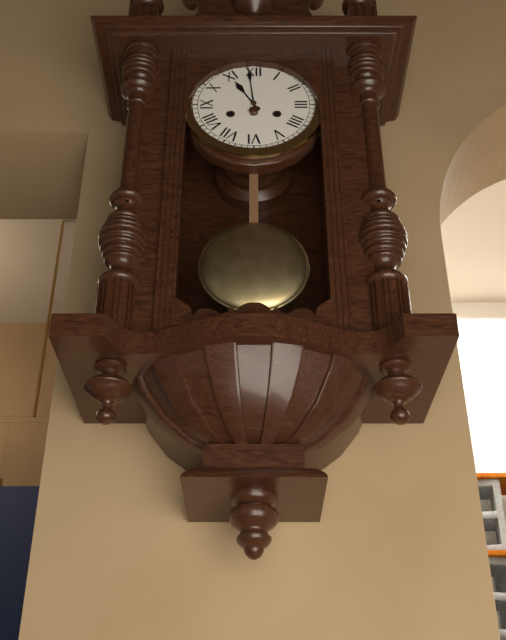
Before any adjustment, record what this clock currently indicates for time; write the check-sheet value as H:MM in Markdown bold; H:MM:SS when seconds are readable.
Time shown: **10:59**
